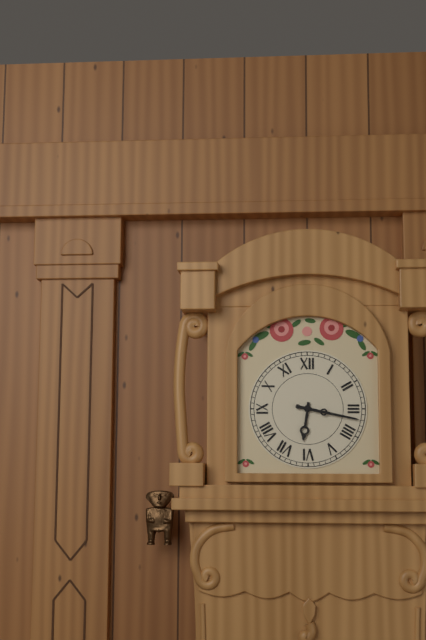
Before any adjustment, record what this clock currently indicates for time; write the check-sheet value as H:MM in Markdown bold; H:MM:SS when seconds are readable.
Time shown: **6:17**
